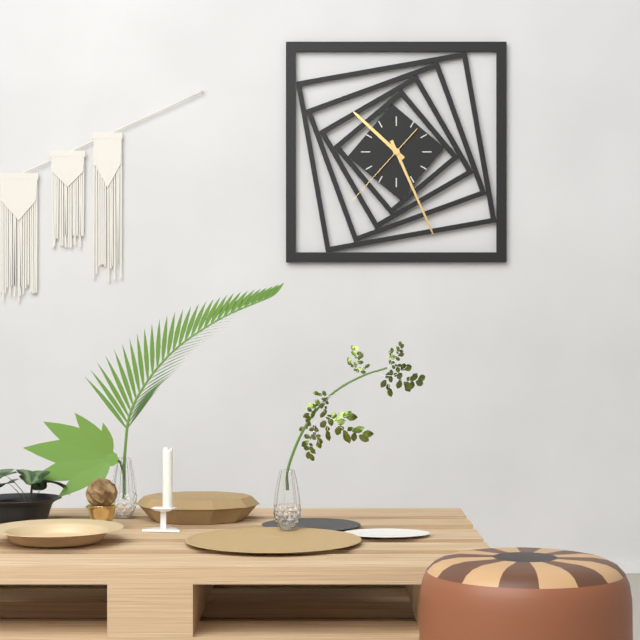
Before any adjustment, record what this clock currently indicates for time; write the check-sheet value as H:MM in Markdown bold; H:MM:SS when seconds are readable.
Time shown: **10:26:37**
